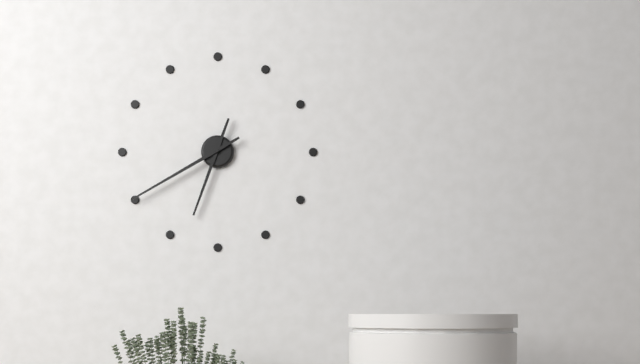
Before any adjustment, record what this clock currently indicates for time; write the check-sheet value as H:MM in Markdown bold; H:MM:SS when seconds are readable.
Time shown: **6:40**
